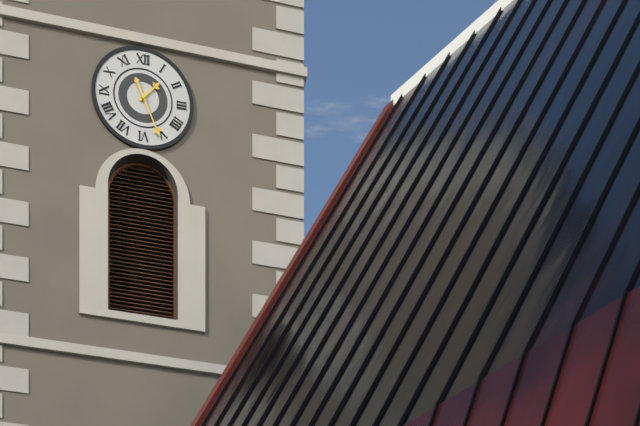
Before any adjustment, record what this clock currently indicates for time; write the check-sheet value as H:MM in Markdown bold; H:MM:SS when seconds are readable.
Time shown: **1:26**
